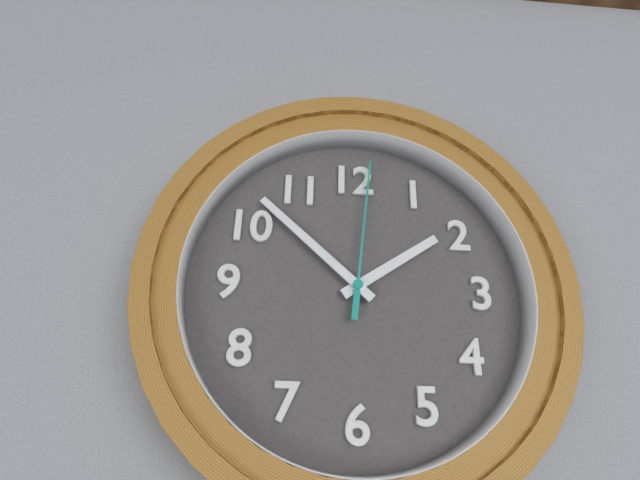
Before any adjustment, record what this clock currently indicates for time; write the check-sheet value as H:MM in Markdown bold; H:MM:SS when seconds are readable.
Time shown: **1:52:01**
